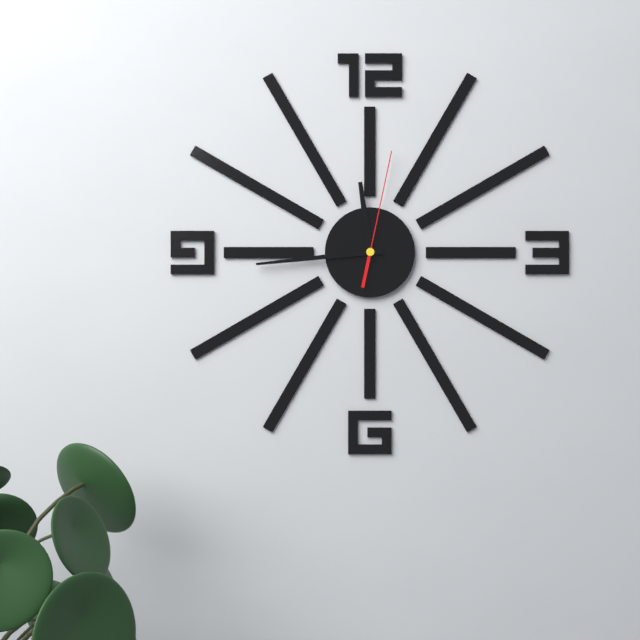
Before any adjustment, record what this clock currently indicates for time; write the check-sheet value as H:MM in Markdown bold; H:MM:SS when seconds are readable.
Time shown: **11:44:02**
